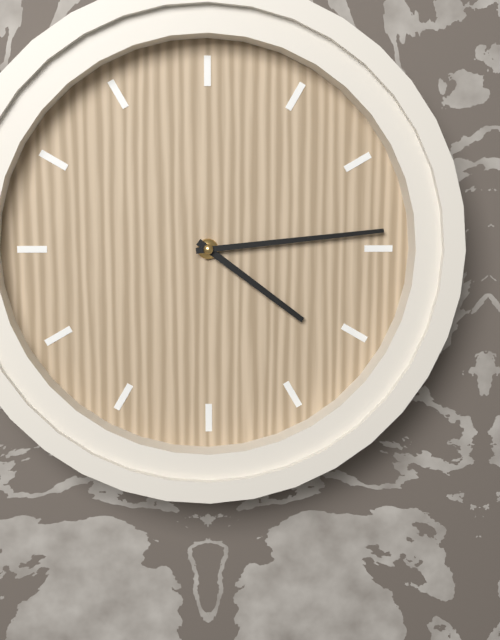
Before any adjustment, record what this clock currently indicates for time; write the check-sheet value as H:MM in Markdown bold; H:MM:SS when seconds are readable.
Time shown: **4:14**
